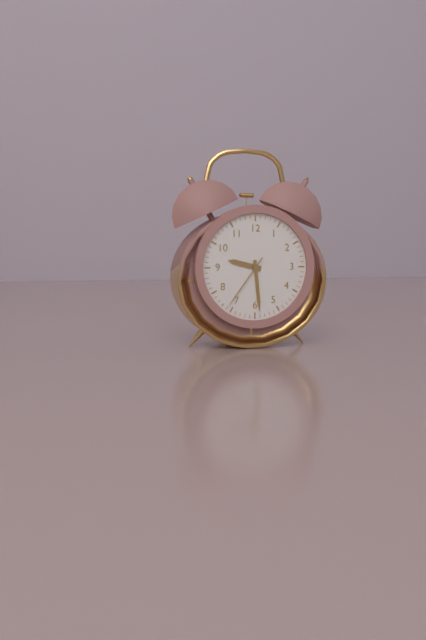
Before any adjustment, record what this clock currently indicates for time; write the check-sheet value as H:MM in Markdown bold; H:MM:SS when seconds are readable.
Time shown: **9:29:36**
